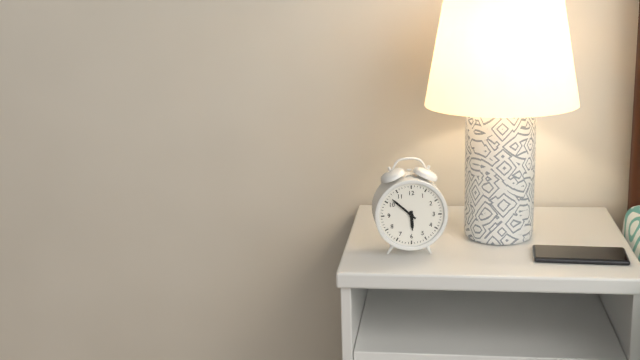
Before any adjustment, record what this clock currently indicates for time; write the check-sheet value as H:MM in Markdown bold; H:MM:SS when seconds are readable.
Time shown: **5:52**
